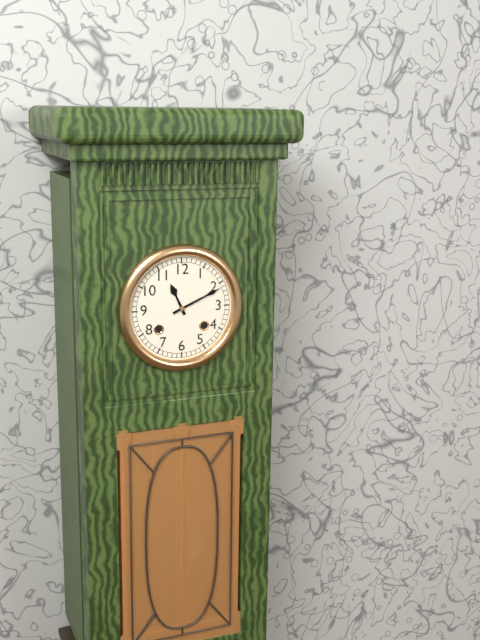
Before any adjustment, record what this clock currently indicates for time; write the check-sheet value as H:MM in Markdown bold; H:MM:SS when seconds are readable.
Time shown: **11:11**
